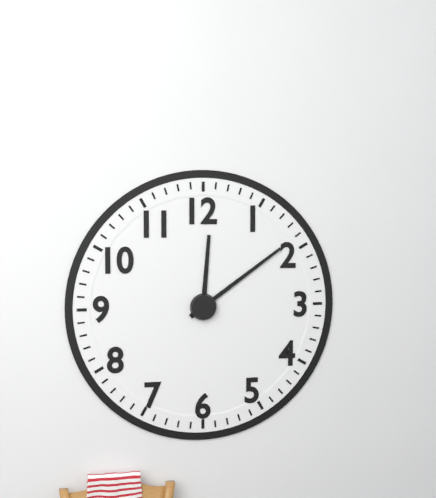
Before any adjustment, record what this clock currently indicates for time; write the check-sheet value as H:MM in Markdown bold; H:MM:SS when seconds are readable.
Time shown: **12:09**
